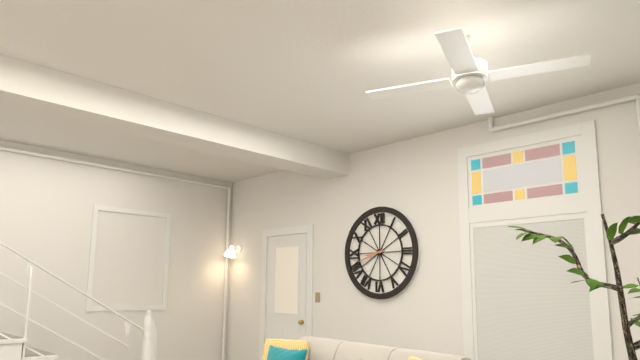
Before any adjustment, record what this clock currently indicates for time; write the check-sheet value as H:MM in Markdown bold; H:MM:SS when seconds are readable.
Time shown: **8:42**
